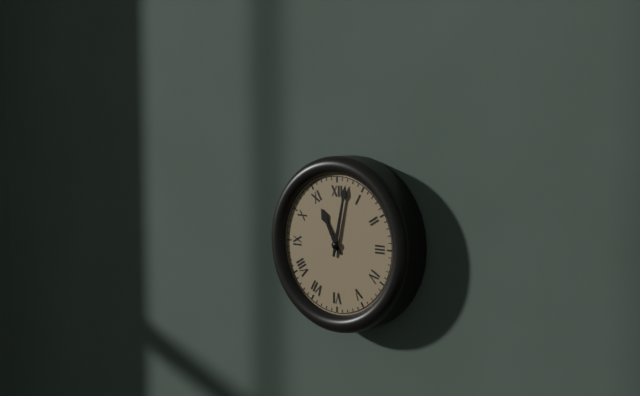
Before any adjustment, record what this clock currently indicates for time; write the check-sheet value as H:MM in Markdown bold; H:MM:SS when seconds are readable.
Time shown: **11:02**
